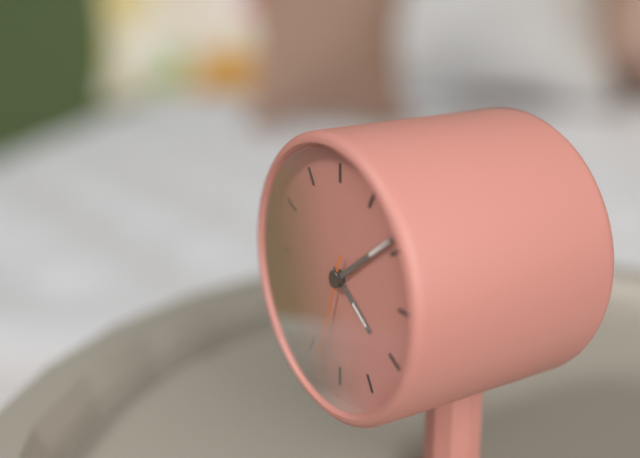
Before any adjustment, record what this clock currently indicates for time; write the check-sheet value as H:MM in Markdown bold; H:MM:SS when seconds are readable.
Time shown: **4:09:33**
